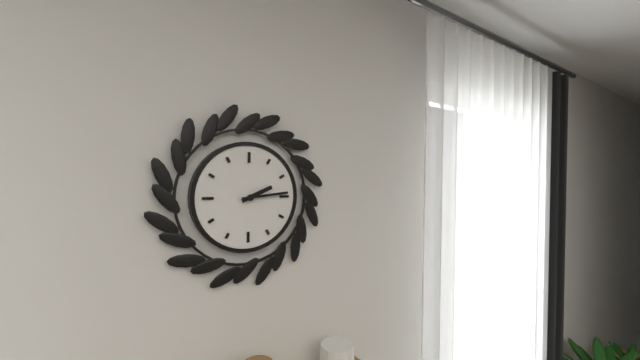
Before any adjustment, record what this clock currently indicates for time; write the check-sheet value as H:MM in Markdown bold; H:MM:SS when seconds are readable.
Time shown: **2:14**
